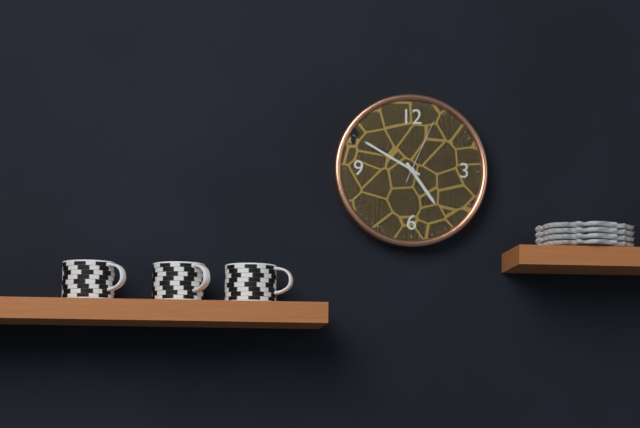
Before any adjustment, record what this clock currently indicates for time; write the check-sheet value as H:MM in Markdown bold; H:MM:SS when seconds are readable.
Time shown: **4:50:04**
